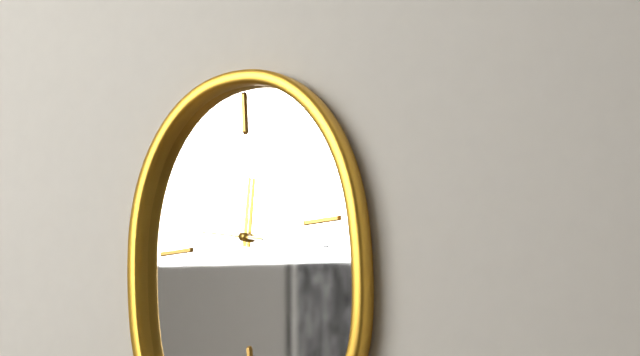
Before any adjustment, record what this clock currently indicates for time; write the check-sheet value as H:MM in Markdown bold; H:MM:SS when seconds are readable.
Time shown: **12:17:47**
